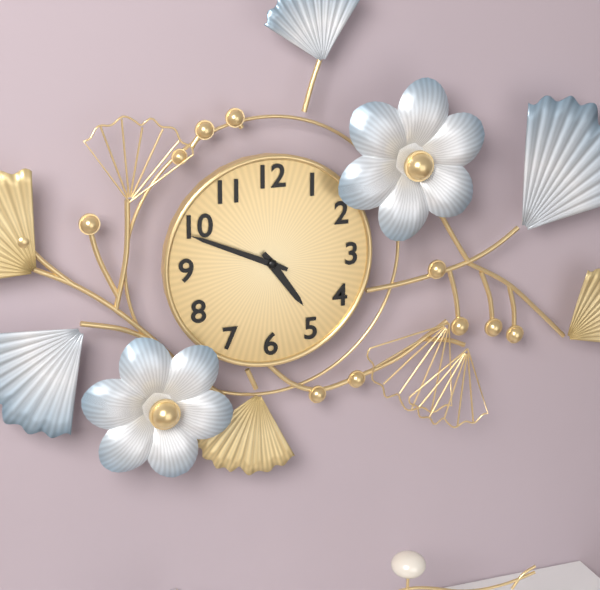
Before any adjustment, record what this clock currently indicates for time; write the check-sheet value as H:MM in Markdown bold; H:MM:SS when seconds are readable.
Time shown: **4:49**
